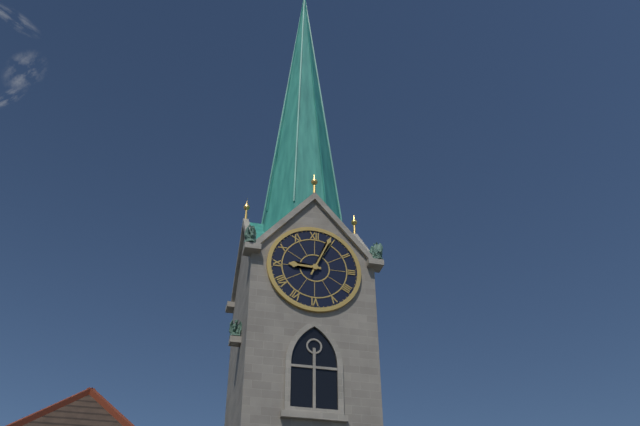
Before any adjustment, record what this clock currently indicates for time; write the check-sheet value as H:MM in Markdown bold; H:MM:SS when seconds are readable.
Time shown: **9:04**
